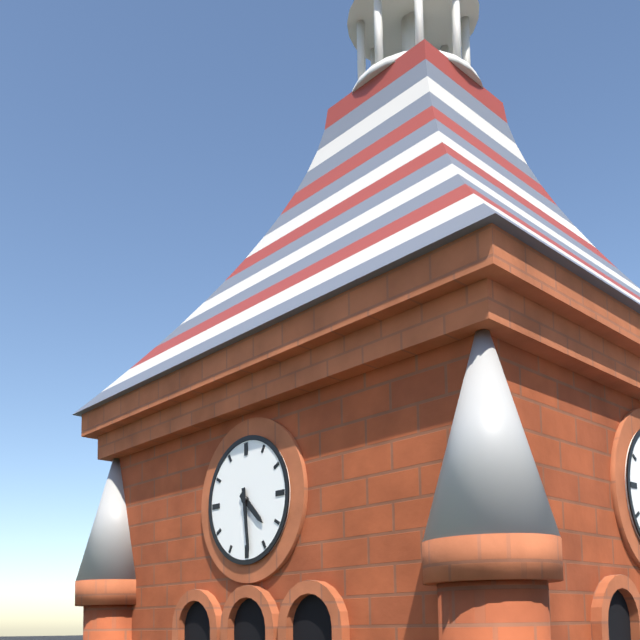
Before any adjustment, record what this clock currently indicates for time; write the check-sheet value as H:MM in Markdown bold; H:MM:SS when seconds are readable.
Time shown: **4:29**
